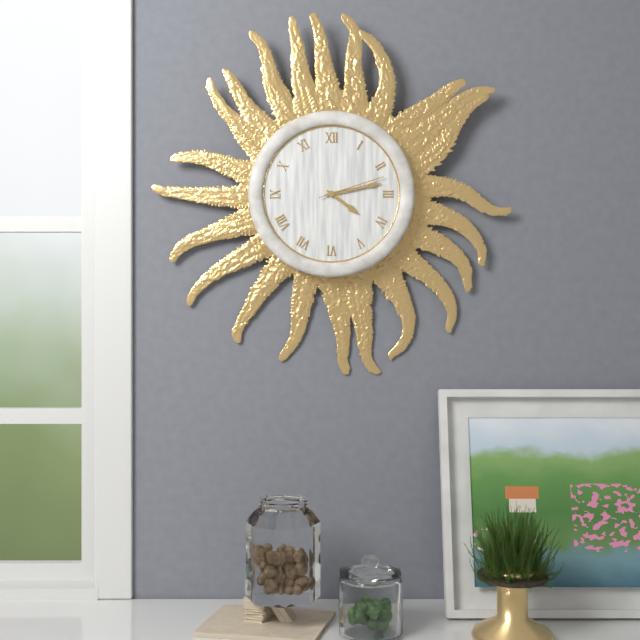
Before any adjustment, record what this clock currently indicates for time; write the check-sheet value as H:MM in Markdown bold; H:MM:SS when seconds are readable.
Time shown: **4:13:12**
